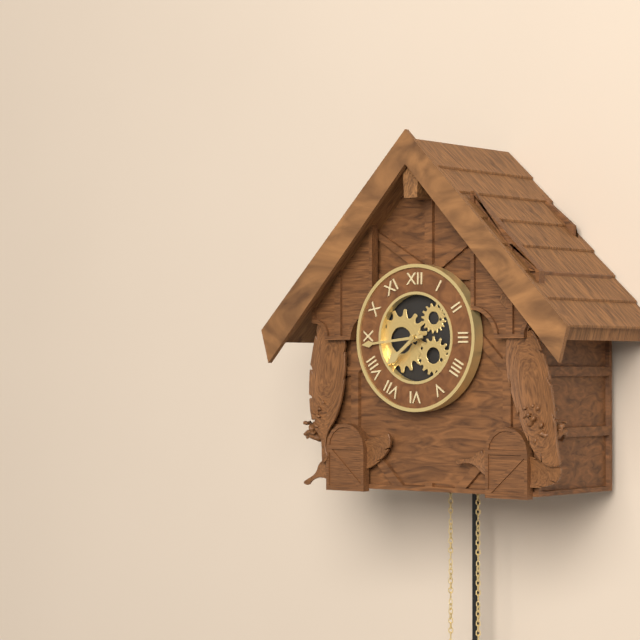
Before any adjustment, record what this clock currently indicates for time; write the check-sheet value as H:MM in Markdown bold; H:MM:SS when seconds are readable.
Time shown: **7:44**
